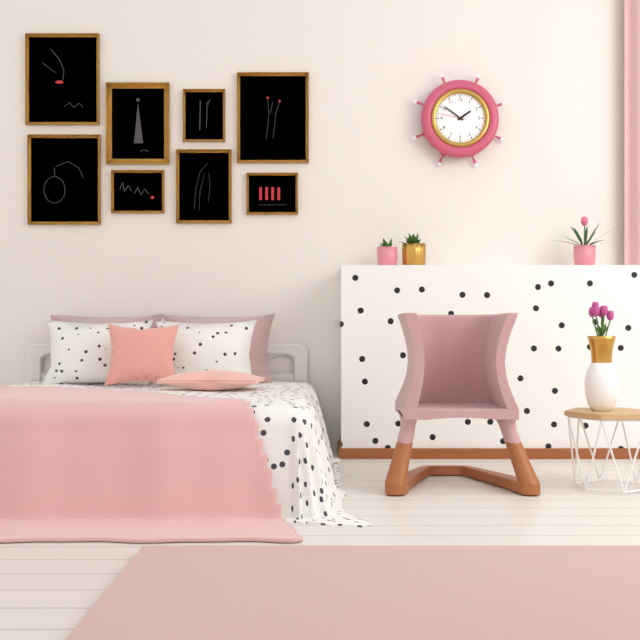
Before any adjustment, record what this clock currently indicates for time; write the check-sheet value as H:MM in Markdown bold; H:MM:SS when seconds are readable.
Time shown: **1:51**
